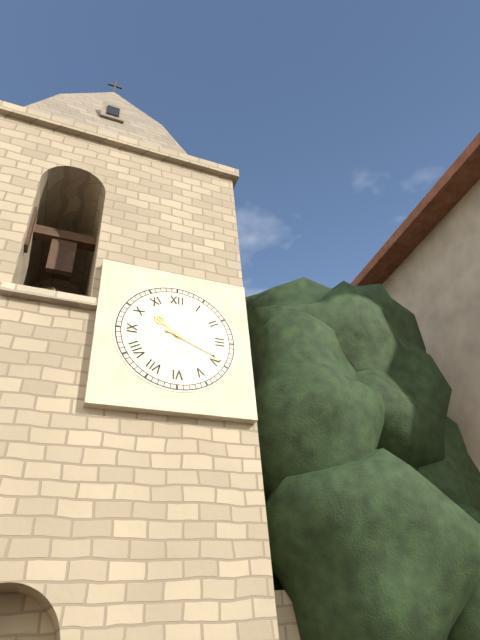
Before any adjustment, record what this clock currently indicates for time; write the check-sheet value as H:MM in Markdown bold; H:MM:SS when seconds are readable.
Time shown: **10:19**
